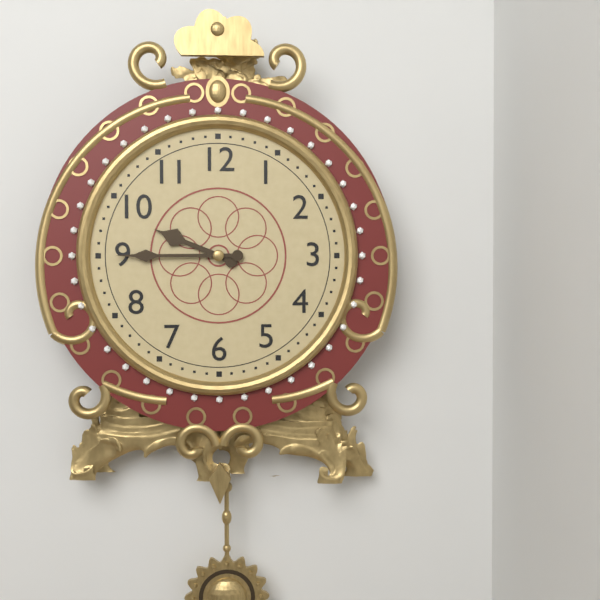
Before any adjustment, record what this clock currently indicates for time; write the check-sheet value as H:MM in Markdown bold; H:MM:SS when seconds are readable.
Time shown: **9:45**
